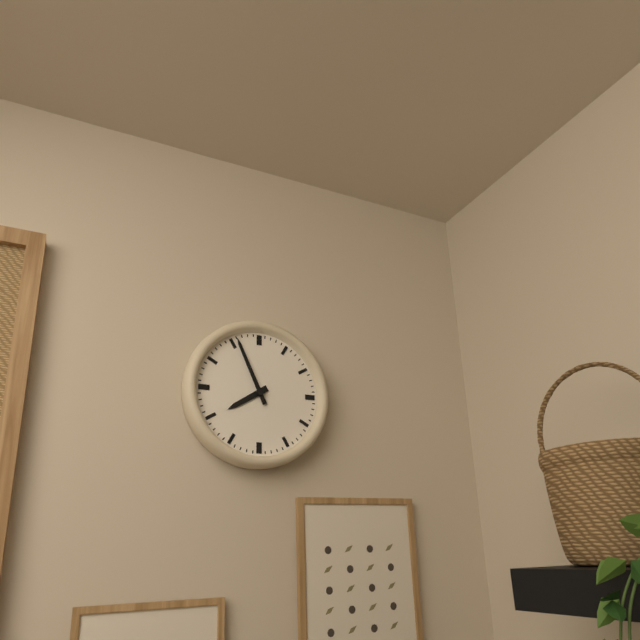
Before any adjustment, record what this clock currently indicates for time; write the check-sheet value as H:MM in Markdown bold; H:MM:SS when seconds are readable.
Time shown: **7:56**
